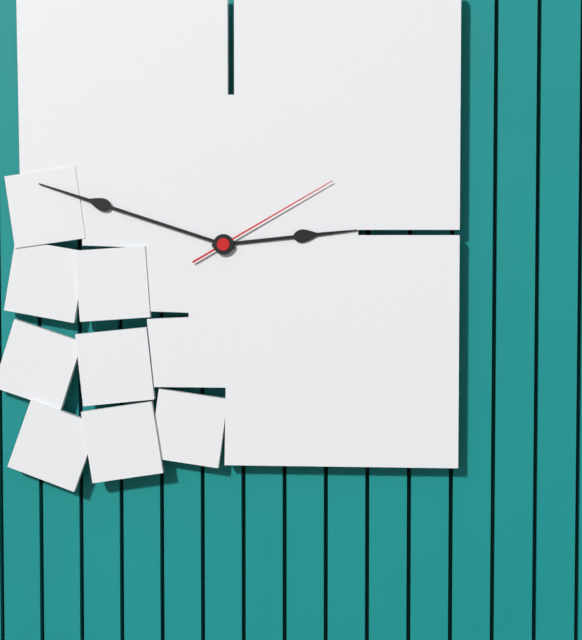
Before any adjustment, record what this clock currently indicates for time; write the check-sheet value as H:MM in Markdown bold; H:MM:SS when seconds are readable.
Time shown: **2:48:10**
